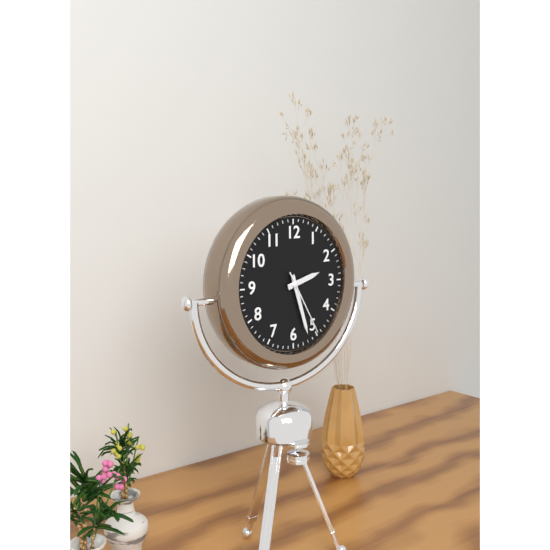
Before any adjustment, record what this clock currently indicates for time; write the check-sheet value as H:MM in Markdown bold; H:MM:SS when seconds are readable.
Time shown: **2:27:25**
